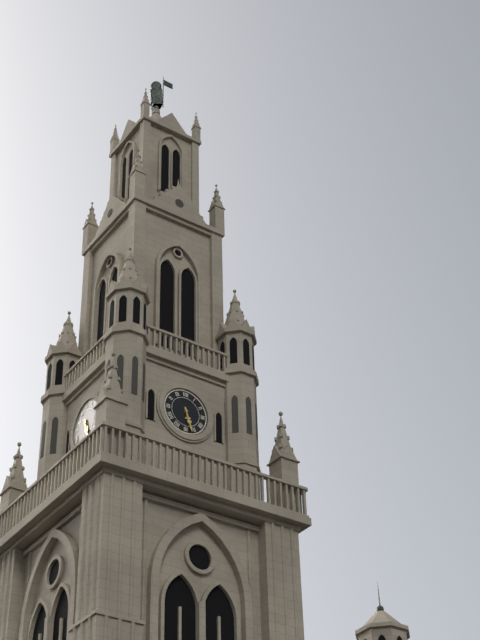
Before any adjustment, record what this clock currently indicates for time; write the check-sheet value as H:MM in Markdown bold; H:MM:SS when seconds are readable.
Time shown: **5:27**
